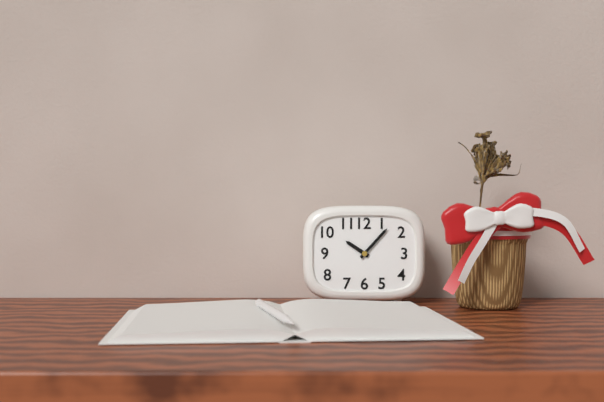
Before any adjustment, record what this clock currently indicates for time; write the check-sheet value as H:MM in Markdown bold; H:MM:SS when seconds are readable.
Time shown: **10:07**
